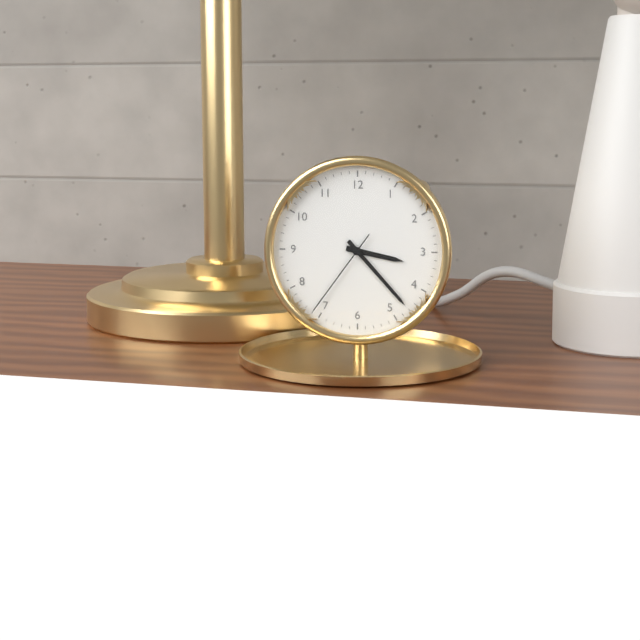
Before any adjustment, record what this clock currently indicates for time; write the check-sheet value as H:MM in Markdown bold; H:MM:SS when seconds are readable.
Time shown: **3:23:36**
